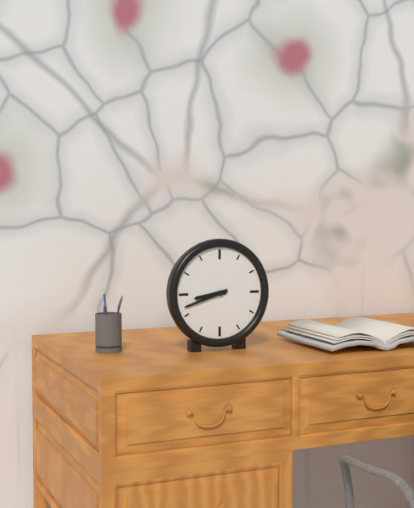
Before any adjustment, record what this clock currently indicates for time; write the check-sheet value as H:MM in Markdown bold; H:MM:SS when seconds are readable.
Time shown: **8:42**
